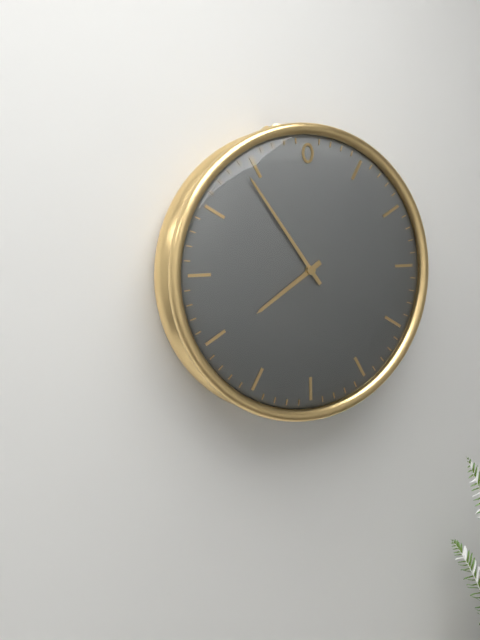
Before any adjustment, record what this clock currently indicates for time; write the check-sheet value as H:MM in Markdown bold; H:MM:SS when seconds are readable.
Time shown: **7:54**
